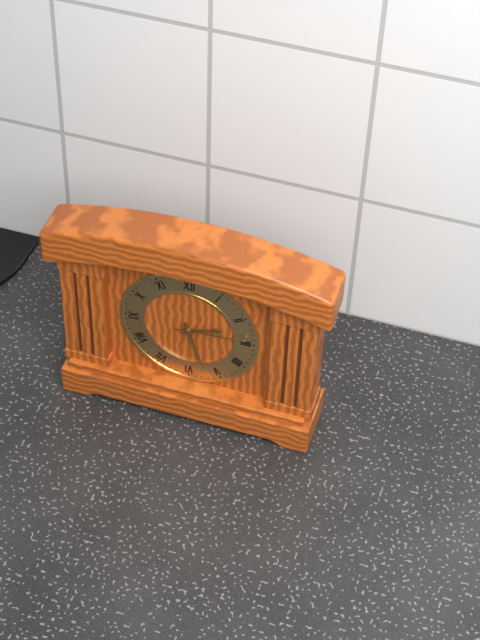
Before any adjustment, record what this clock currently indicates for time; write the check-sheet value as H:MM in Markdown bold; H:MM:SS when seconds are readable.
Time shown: **2:27:14**
